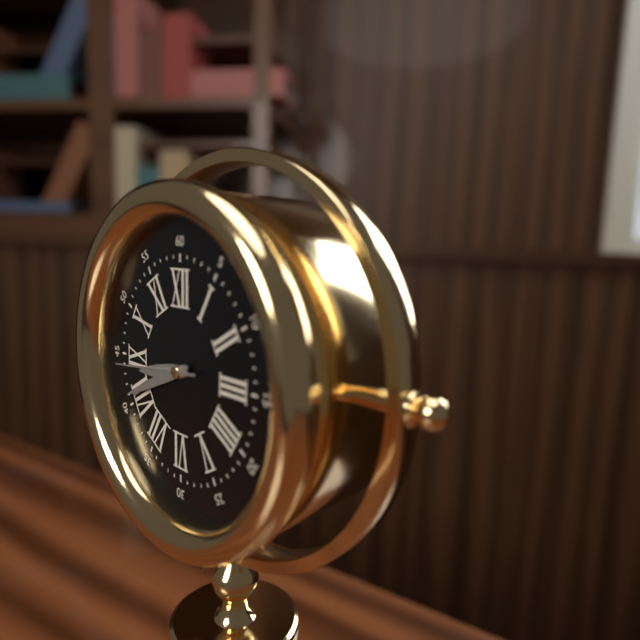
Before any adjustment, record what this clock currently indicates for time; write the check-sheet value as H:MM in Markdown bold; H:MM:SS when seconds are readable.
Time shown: **8:41:44**
